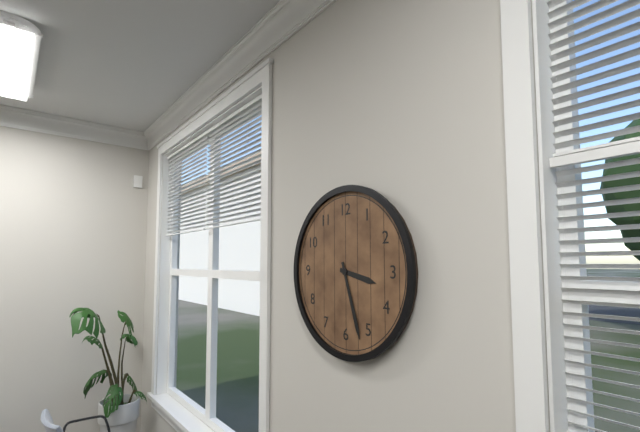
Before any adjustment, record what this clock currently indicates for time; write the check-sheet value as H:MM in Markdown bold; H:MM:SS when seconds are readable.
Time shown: **3:27**
